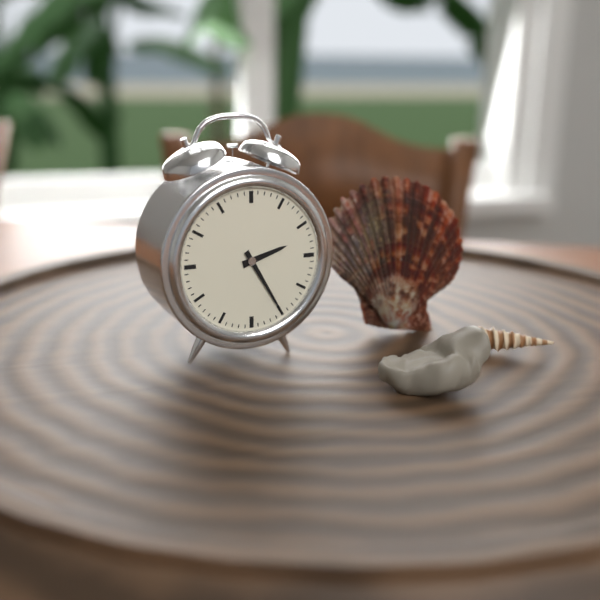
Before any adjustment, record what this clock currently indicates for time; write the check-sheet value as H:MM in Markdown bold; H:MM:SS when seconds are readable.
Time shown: **2:25**
